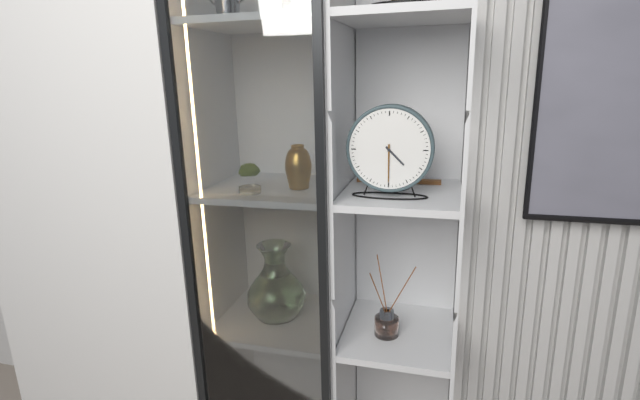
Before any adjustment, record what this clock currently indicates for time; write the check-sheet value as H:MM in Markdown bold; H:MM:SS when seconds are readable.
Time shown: **4:30**
